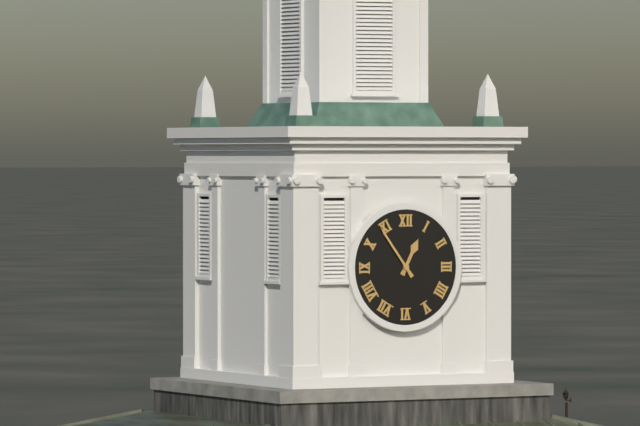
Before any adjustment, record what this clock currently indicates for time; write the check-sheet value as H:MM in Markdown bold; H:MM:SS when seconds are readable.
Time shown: **12:54**
